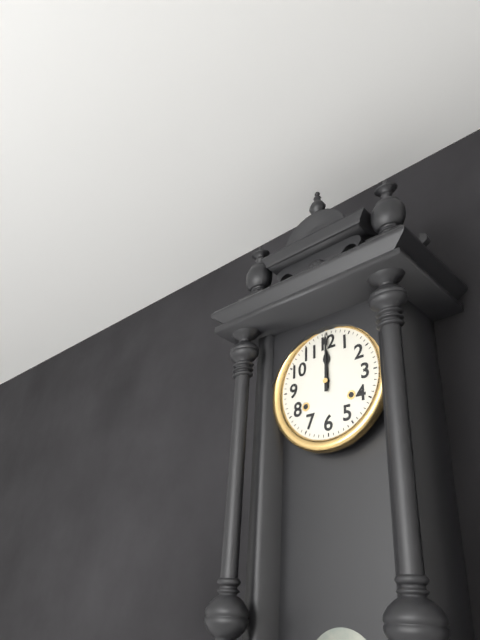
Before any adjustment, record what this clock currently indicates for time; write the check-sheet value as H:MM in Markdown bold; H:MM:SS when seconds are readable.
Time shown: **12:00**
